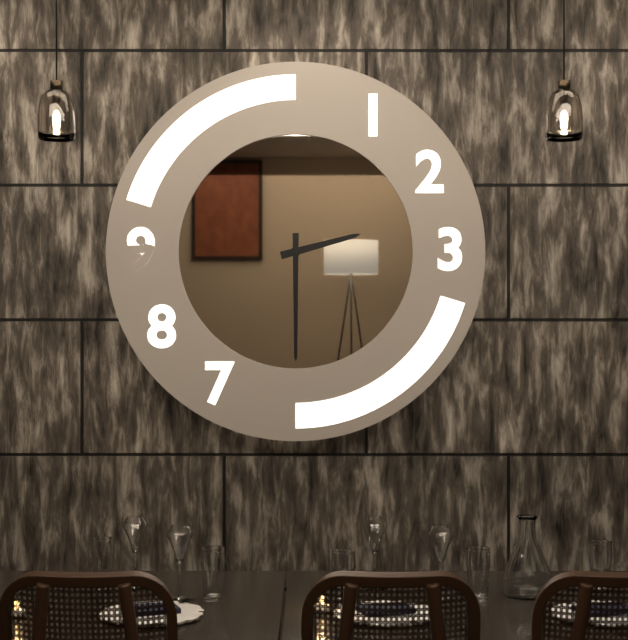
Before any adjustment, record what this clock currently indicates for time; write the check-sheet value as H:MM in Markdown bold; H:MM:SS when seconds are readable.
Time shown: **2:30**
